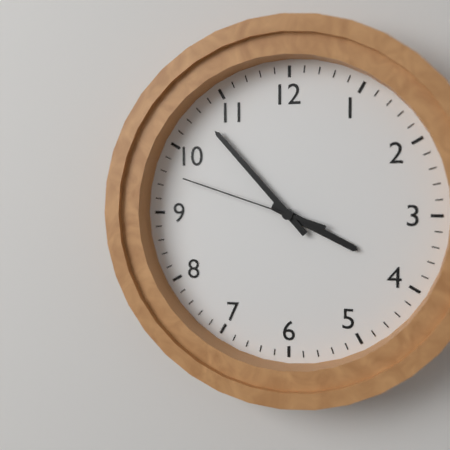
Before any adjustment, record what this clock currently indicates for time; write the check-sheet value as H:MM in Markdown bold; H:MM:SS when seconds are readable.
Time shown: **3:53:48**
